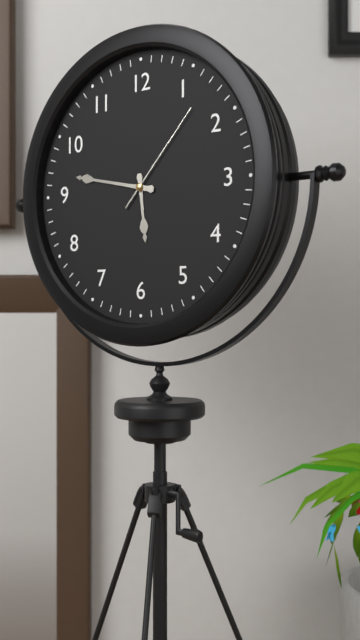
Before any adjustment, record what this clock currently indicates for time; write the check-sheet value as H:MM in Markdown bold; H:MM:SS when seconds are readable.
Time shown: **5:47:07**
